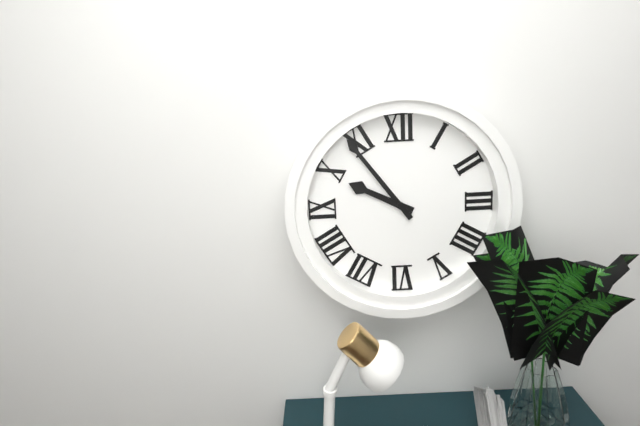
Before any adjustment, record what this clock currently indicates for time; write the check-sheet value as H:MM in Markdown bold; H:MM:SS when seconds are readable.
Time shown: **9:54**
